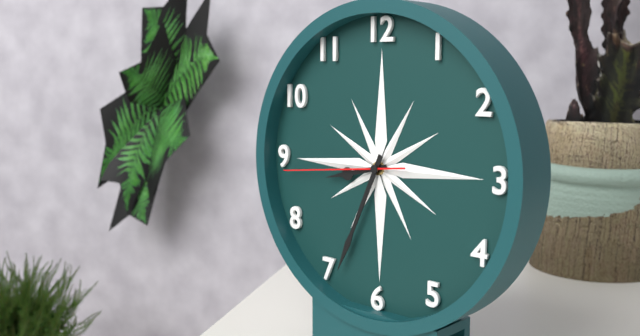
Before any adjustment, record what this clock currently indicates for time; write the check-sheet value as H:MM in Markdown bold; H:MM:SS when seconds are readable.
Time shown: **8:34:44**
